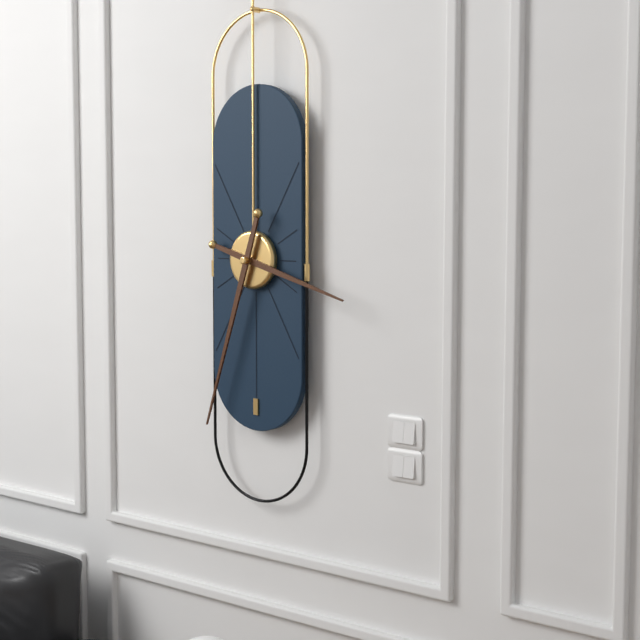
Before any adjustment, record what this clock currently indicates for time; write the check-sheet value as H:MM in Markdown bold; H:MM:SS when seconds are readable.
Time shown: **3:33**
